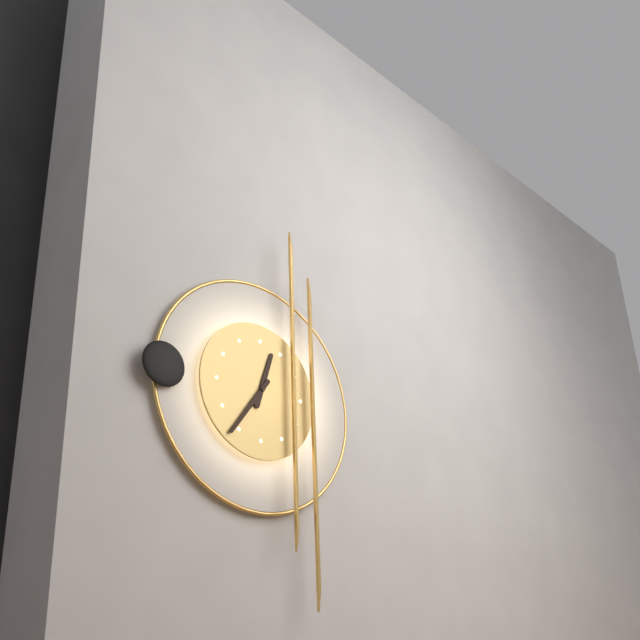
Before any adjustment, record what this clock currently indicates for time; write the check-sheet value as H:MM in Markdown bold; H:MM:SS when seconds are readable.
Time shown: **12:36**
